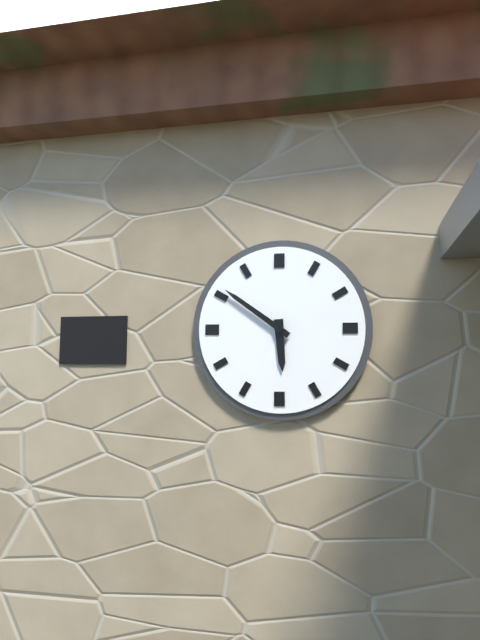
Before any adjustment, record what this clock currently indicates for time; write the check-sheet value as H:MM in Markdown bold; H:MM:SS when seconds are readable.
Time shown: **5:51**
